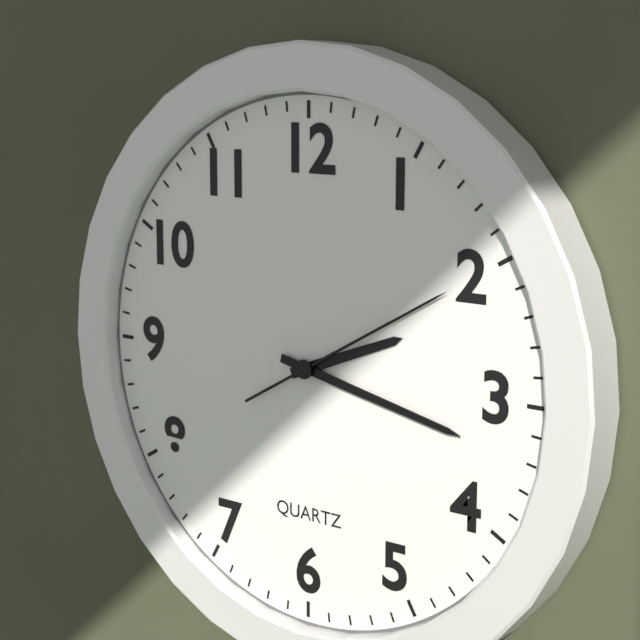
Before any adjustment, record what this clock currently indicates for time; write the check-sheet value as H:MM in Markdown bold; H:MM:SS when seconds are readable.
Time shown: **2:17:10**
